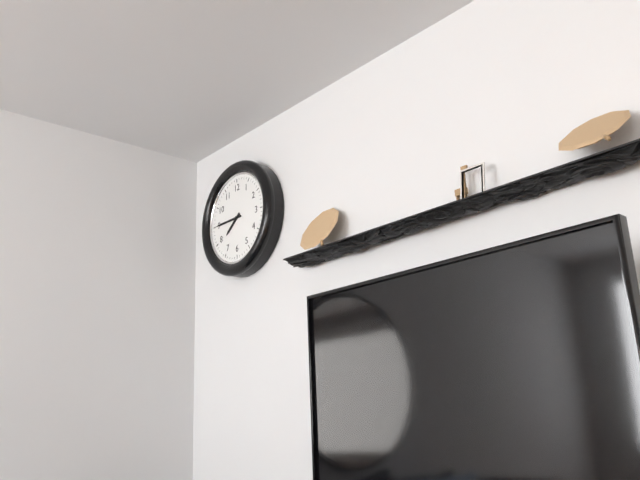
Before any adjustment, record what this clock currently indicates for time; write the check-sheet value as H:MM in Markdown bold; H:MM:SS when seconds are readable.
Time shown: **7:45**
